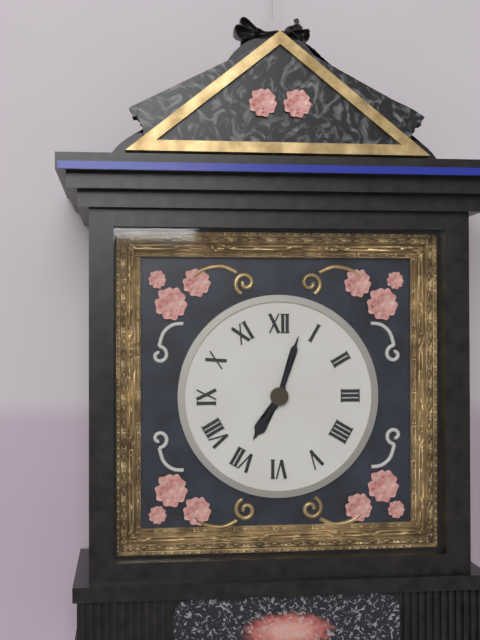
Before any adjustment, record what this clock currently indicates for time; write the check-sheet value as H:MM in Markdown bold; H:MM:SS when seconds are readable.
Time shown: **7:03**
